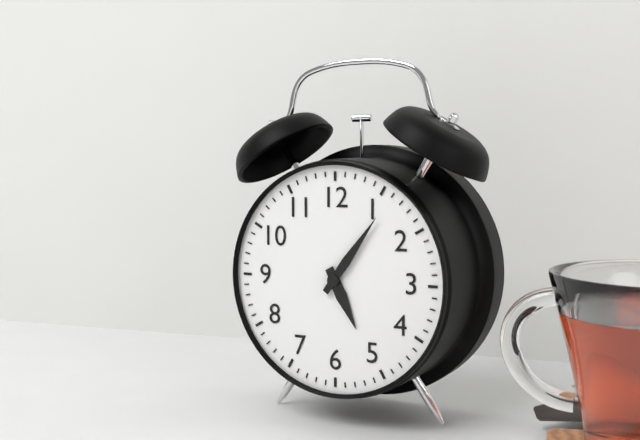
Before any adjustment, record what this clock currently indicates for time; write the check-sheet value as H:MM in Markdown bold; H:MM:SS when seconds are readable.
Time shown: **5:06**
